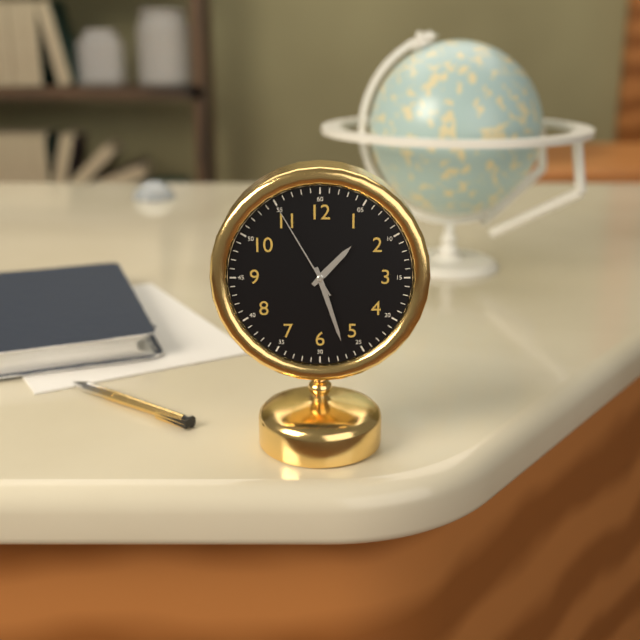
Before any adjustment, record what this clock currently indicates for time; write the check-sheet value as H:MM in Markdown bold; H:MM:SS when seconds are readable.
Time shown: **1:27:55**
